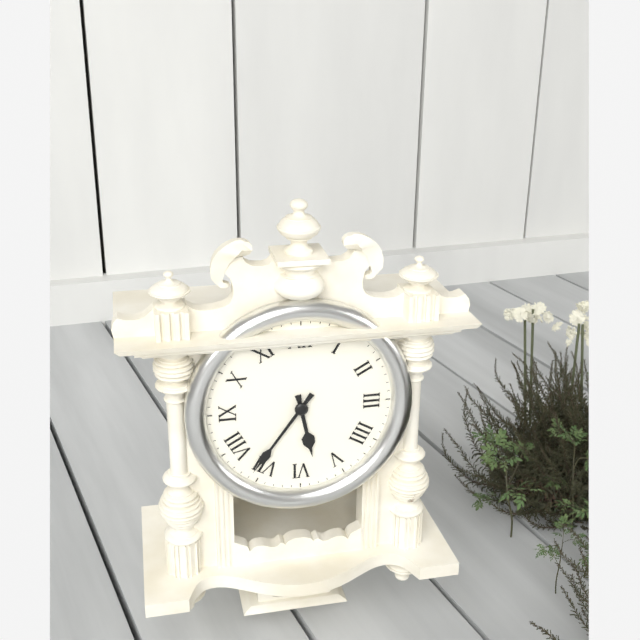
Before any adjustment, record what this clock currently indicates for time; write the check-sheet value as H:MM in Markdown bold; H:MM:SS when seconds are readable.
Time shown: **5:36**
